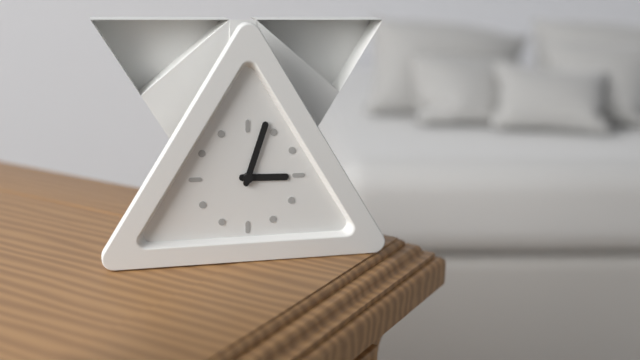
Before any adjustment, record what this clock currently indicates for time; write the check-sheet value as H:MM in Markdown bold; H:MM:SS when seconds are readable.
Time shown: **3:03**
